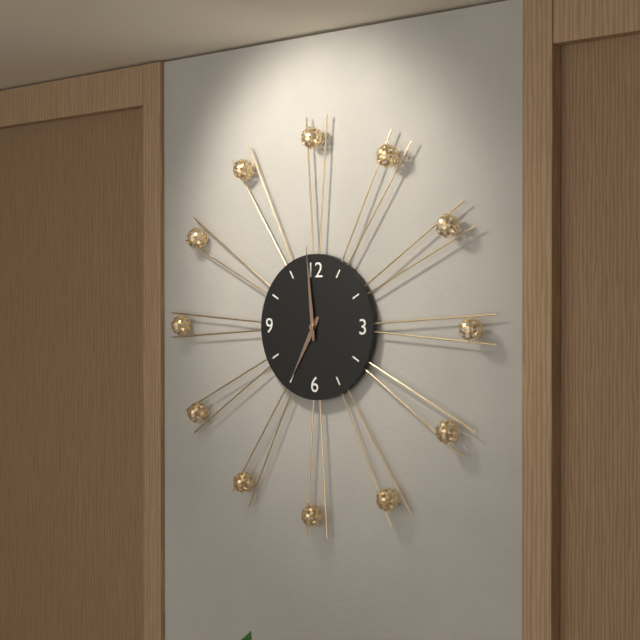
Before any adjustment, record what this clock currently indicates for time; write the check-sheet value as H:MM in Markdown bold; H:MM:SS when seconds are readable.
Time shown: **6:59**
